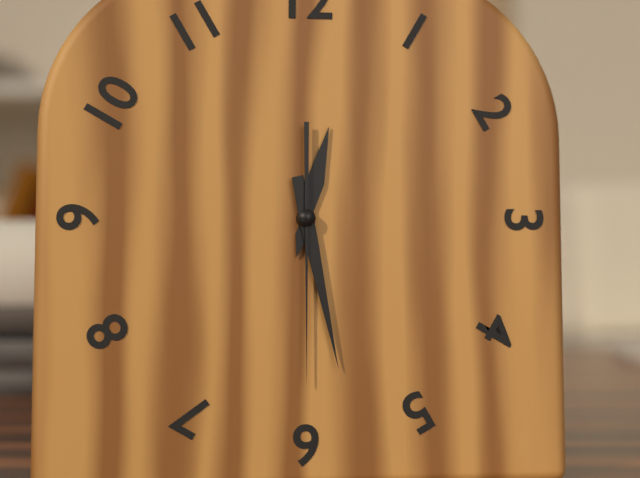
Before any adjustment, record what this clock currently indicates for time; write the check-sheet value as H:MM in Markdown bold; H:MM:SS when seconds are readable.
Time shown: **12:28:30**
